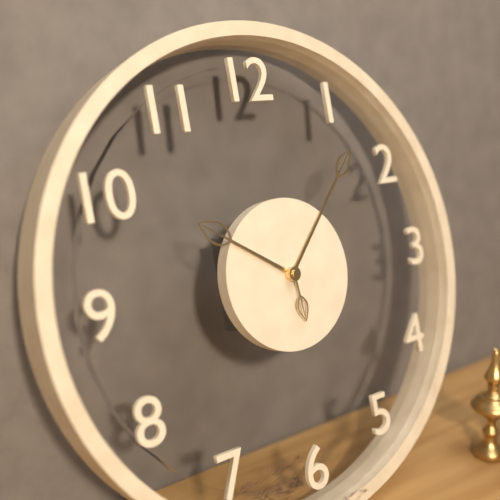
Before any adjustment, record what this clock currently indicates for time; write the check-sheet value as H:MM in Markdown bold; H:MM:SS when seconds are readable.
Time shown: **10:07:29**
